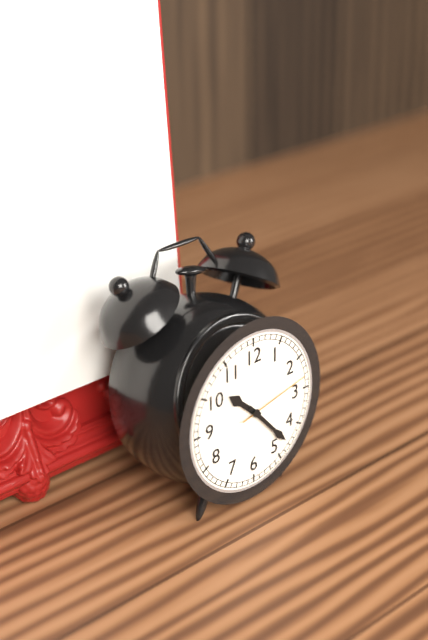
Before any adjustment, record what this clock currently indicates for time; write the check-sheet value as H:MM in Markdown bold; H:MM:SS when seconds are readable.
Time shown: **10:23:13**
